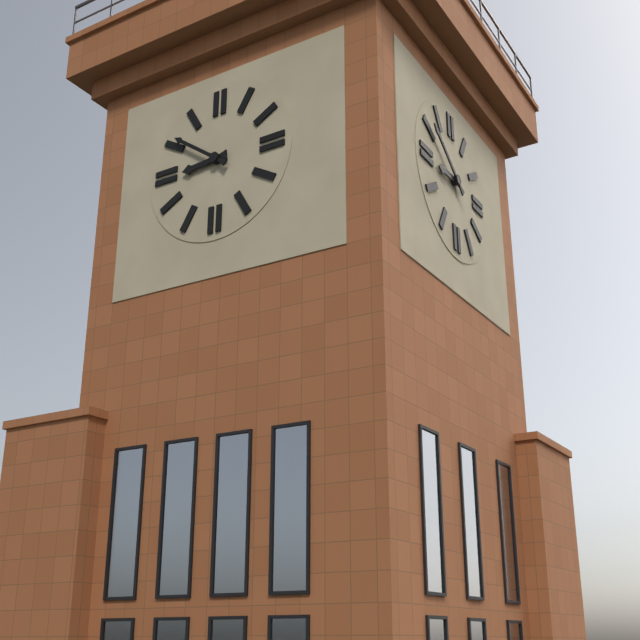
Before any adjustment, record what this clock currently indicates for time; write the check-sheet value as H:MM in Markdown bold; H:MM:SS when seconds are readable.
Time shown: **8:51**
